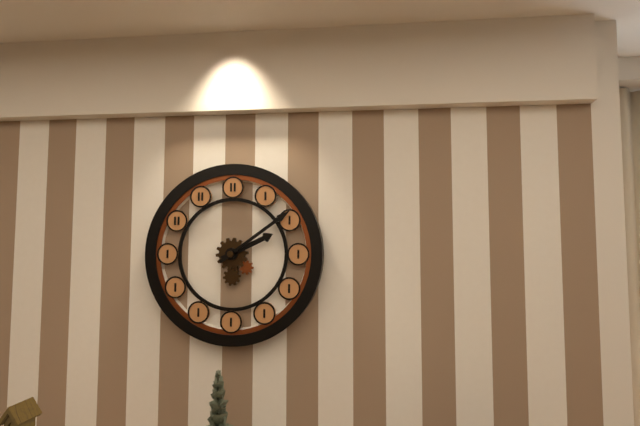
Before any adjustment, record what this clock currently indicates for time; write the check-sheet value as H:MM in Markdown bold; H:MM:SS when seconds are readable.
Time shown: **2:09**
